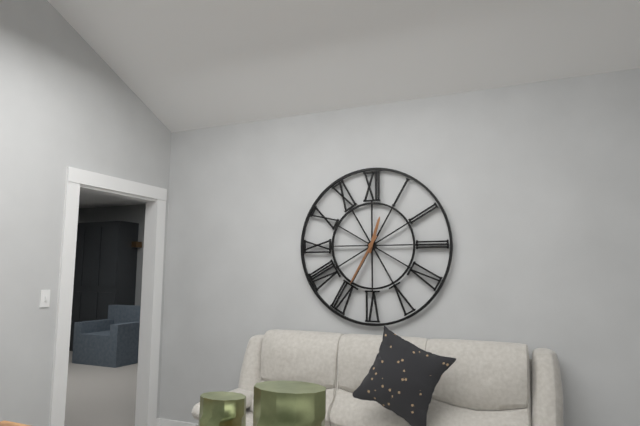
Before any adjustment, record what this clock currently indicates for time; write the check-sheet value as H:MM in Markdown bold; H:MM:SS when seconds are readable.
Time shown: **12:35**
